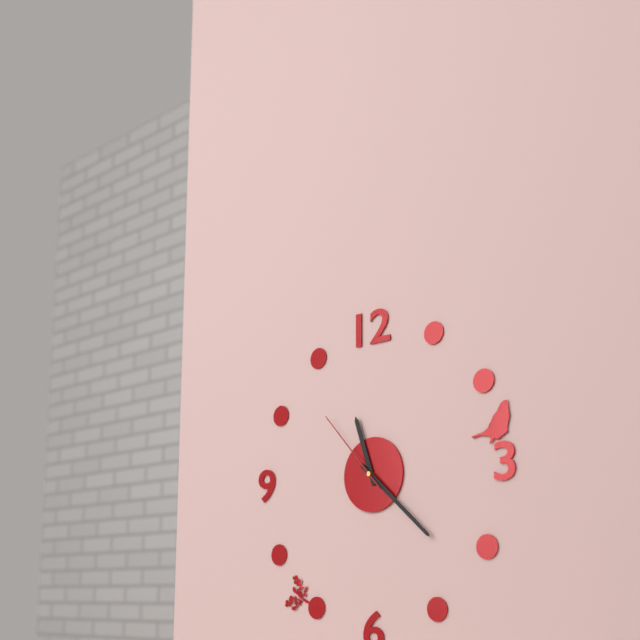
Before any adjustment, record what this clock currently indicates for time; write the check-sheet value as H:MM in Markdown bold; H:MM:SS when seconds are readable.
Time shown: **11:22:53**
